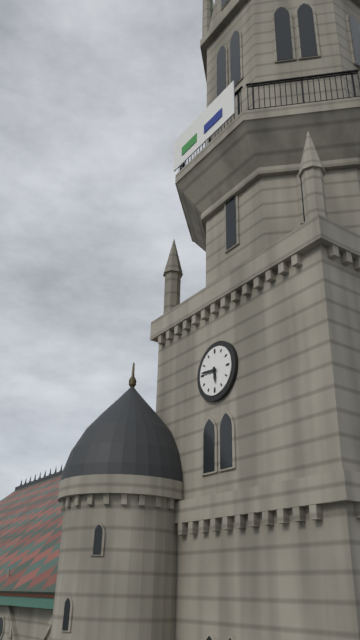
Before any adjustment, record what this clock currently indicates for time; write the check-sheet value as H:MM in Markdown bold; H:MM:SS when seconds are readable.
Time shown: **5:46**
